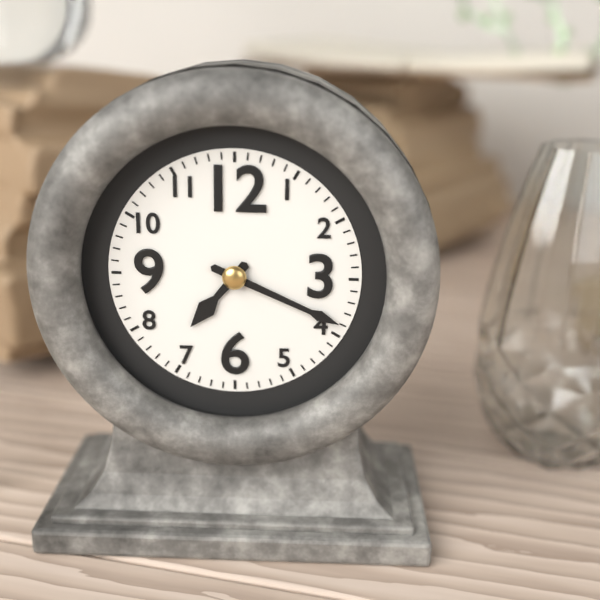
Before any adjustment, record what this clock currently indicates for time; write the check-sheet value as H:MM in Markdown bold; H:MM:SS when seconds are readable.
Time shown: **7:19**
